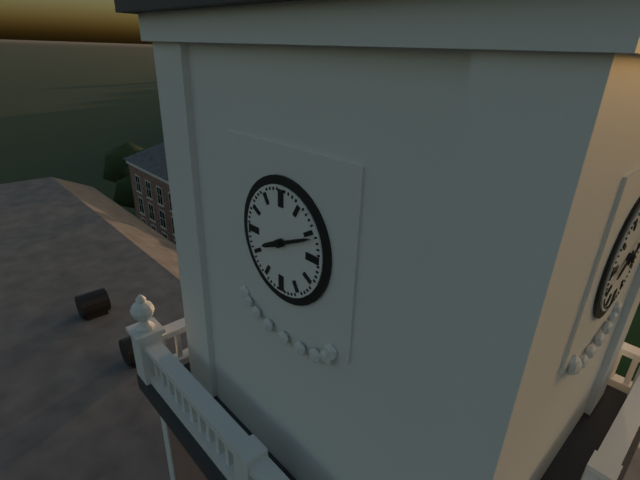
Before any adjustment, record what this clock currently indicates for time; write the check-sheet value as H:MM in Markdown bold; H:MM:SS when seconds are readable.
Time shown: **8:11**
